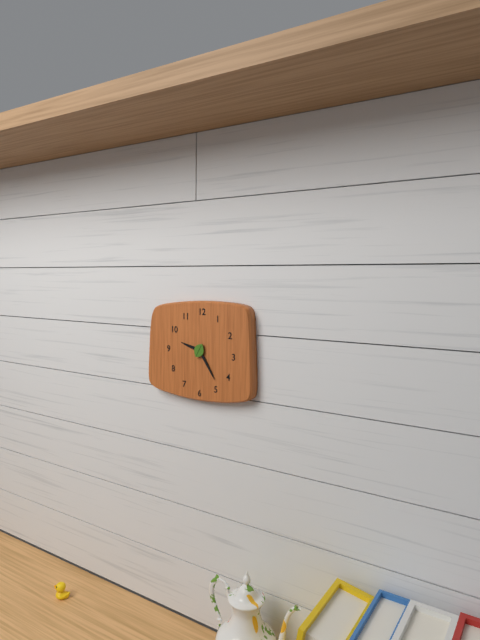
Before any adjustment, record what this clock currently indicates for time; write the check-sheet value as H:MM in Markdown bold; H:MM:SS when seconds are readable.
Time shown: **9:24**
